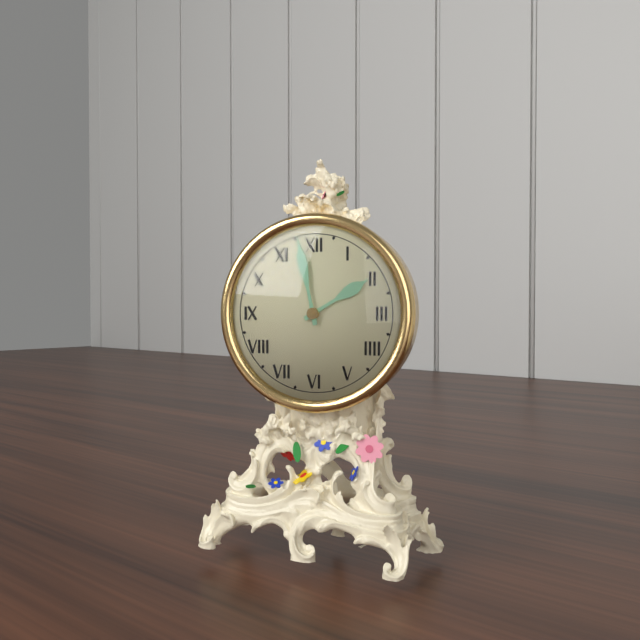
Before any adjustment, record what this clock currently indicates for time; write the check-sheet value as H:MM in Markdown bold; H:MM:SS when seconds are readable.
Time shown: **1:58**
